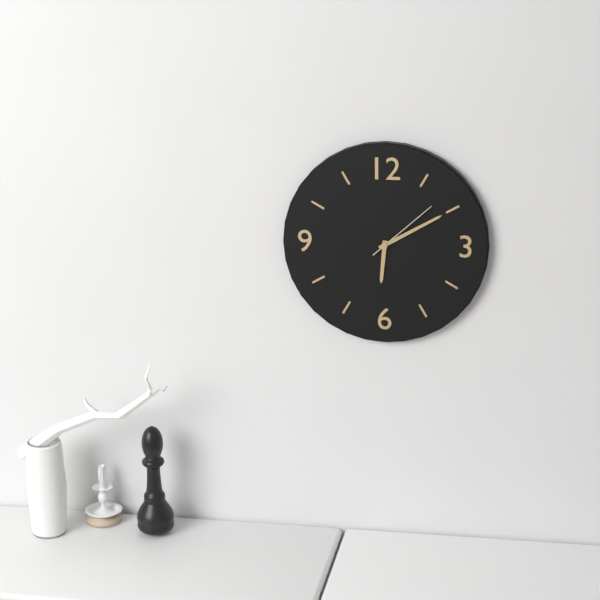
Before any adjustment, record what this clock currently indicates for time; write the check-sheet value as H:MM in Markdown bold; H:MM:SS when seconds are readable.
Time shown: **6:10:08**
